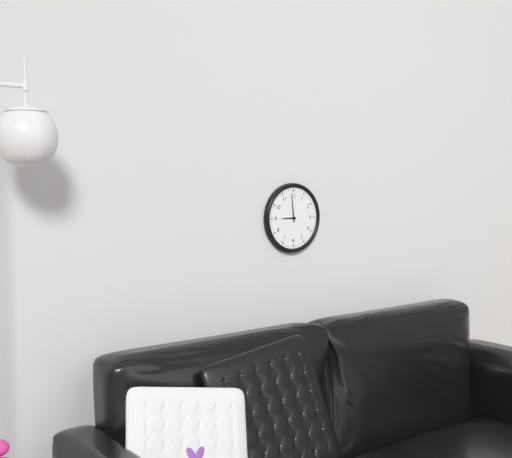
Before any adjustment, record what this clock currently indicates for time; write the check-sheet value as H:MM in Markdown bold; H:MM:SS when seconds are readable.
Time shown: **8:59**
